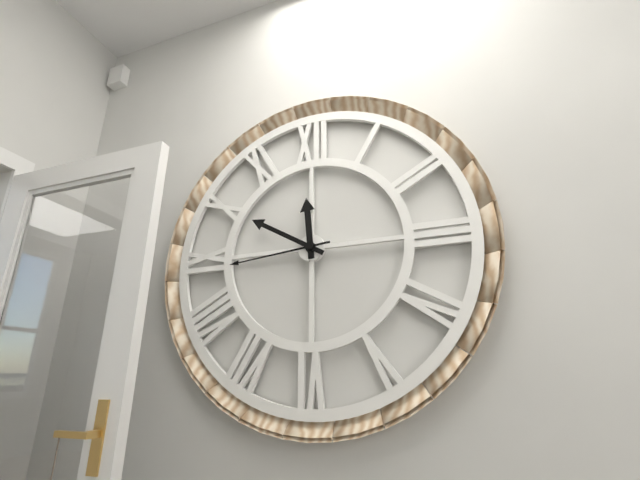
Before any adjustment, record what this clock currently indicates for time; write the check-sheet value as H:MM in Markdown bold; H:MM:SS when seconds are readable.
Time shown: **11:50:44**
